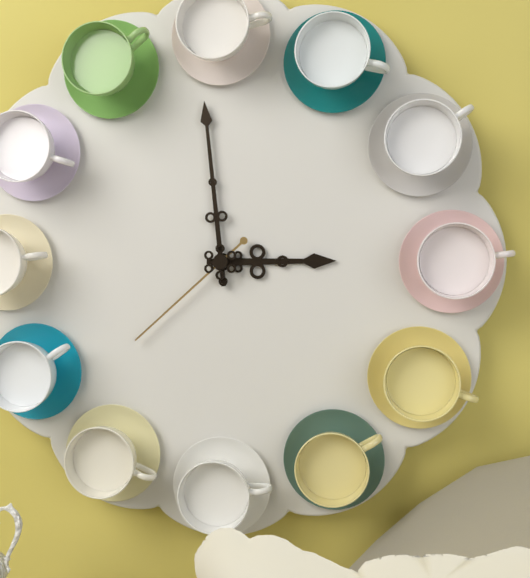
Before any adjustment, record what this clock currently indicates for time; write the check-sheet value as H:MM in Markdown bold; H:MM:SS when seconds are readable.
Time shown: **2:59:38**
